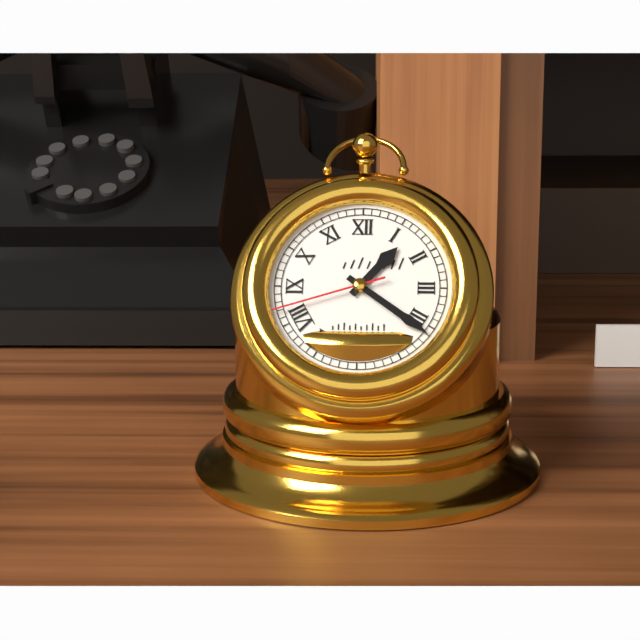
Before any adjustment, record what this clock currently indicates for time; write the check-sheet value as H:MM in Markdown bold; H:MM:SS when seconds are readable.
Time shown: **1:21:42**
